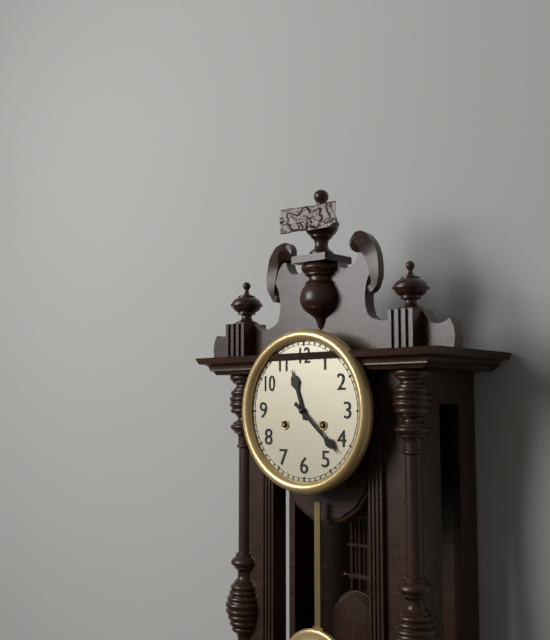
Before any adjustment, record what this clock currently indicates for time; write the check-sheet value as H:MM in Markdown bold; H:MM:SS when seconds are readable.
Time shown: **11:22**
